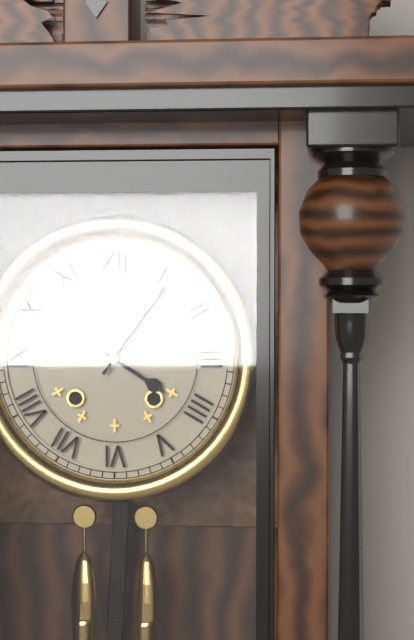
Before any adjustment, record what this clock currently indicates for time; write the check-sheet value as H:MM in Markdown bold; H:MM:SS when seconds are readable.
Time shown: **4:06**
